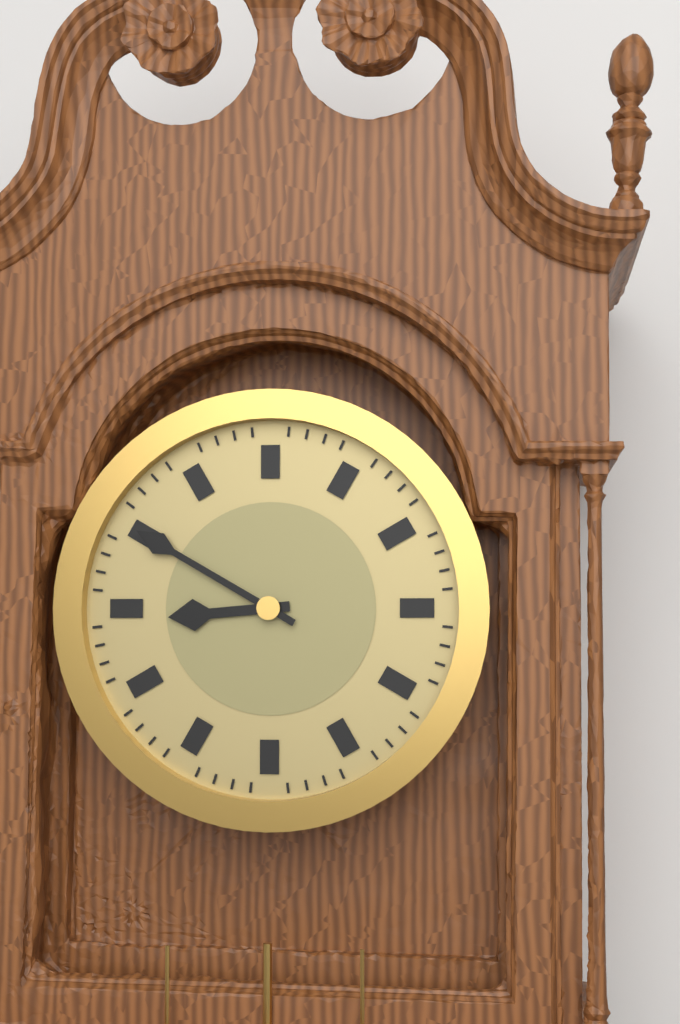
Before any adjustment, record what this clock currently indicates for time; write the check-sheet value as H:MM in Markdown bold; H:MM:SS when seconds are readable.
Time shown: **8:50**
